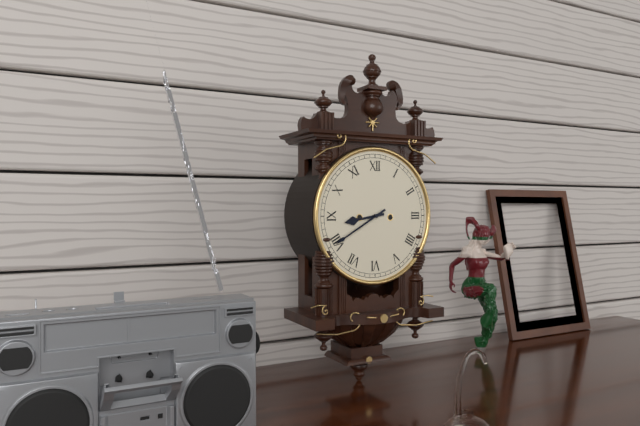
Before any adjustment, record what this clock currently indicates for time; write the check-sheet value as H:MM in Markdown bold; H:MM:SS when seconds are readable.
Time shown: **8:40**
